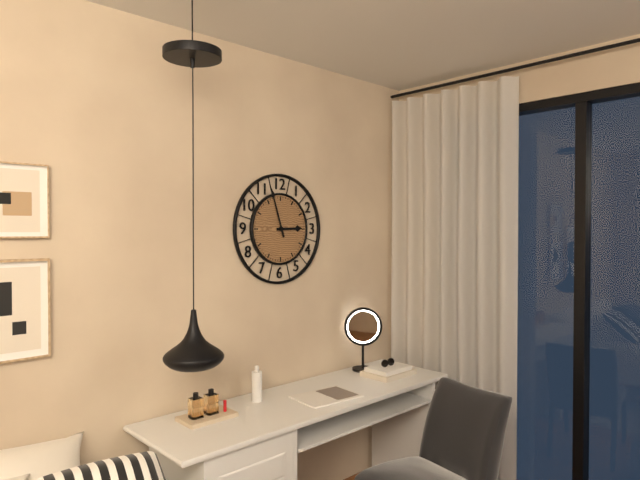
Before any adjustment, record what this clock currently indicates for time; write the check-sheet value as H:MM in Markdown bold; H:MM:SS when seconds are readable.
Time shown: **2:57**
